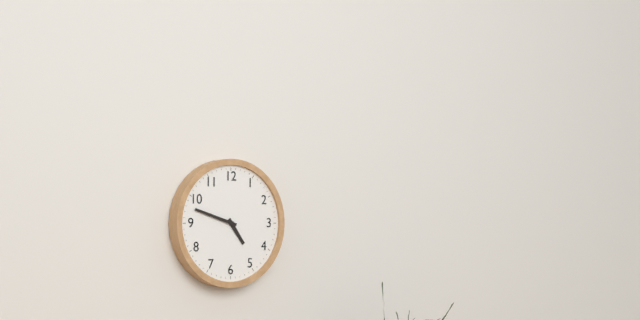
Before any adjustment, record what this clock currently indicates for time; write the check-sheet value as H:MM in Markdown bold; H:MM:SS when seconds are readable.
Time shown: **4:48**
